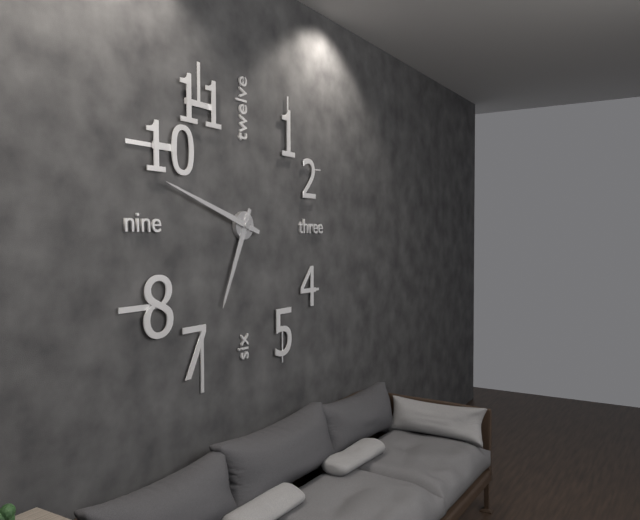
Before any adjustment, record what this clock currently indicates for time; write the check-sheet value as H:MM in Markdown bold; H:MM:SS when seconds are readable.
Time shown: **6:48**
